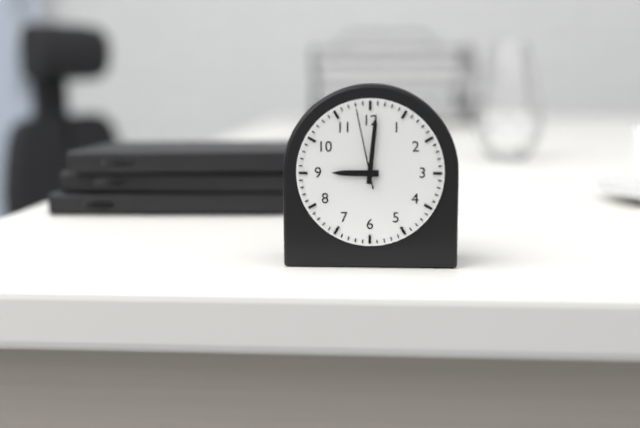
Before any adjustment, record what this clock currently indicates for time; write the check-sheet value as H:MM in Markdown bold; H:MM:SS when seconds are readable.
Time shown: **9:01:58**
